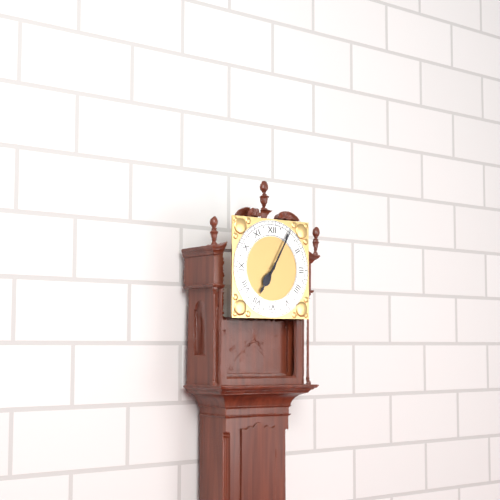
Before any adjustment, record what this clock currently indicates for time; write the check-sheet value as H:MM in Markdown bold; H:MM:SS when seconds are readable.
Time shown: **7:05**
